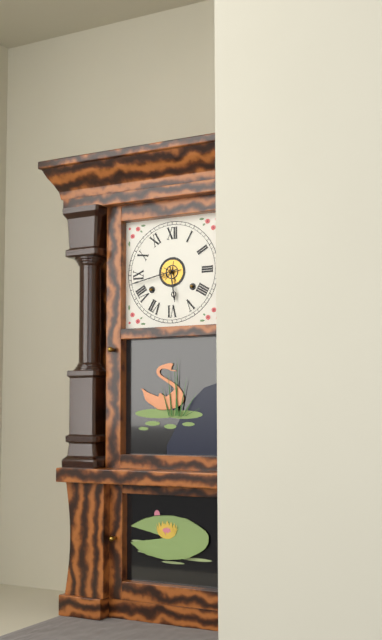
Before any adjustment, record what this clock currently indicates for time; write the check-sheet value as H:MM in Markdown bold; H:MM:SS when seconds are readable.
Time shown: **5:43**
